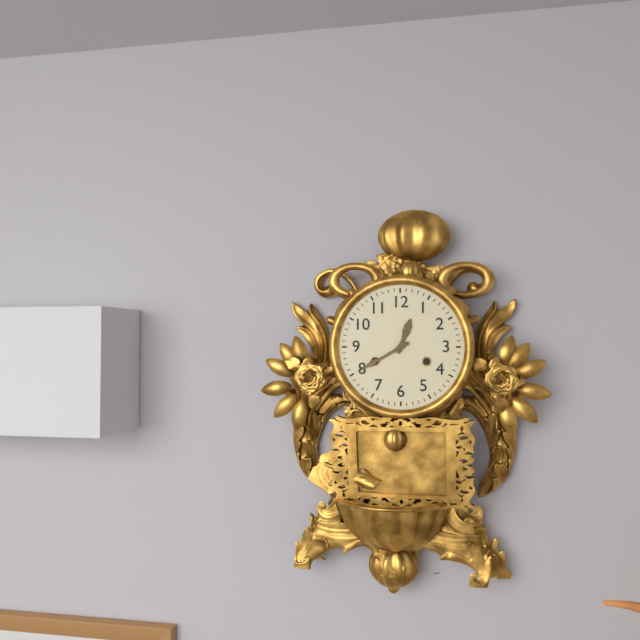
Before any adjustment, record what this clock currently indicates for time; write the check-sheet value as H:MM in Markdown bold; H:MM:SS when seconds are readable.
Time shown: **12:40**
